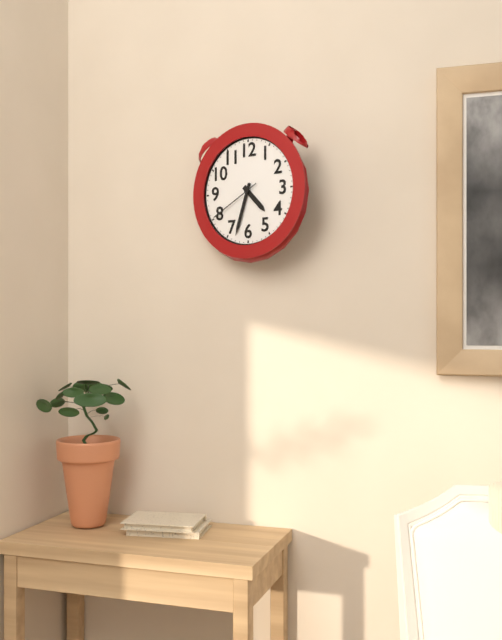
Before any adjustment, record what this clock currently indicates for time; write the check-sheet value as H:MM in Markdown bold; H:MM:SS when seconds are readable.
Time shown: **4:33:40**
